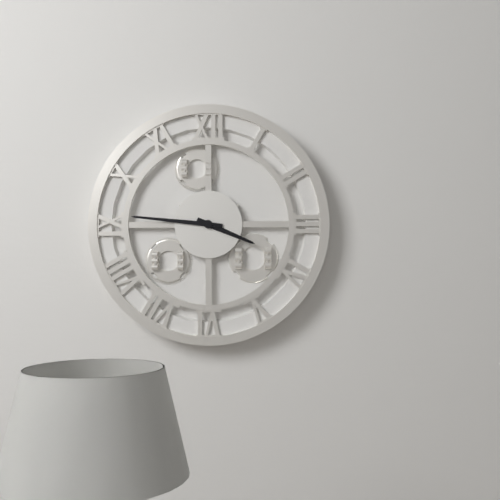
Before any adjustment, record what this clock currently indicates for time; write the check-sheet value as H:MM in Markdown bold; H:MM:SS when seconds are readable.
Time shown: **3:46**
